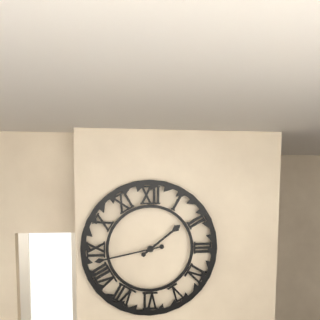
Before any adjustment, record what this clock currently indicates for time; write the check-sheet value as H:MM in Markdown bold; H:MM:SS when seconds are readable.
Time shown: **1:43**
